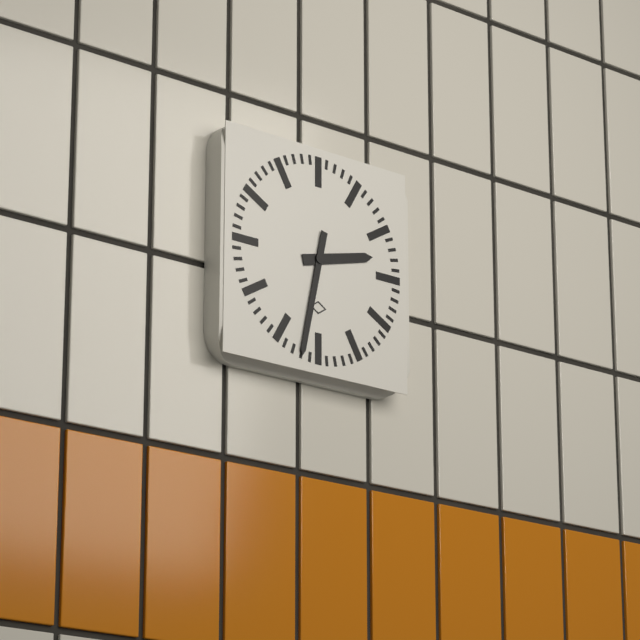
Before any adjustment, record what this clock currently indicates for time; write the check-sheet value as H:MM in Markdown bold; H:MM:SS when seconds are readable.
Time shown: **2:32**
